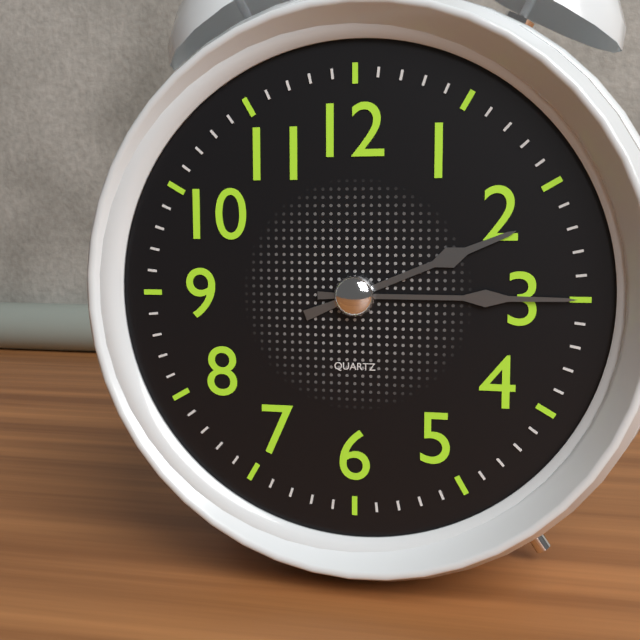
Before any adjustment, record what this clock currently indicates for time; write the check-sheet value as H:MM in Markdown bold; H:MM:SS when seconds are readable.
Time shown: **2:15**
